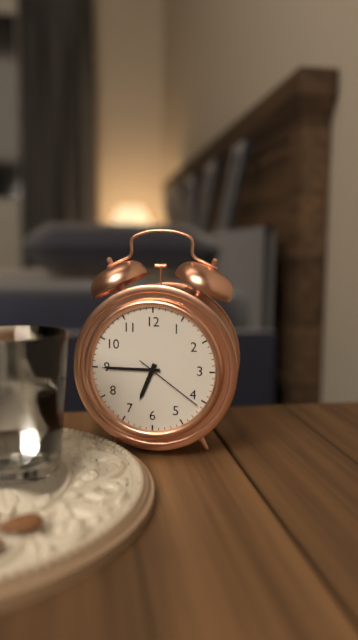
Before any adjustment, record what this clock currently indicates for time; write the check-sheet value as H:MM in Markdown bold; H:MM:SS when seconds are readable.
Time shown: **6:45:21**
